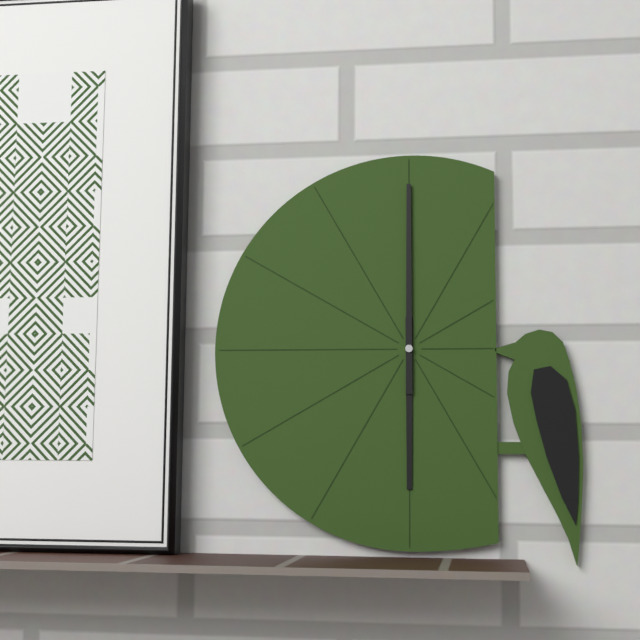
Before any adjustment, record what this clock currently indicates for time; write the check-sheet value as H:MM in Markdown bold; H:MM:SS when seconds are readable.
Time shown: **6:00**
